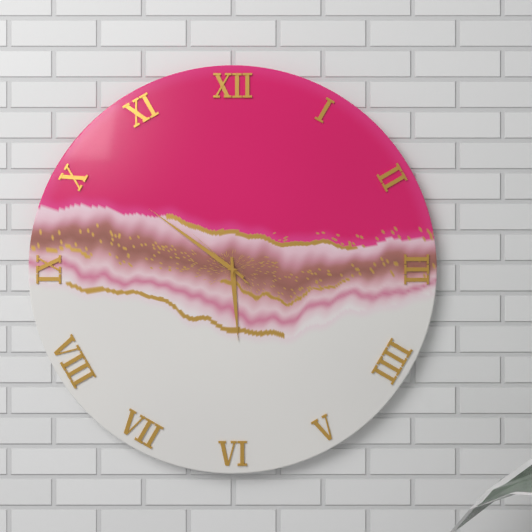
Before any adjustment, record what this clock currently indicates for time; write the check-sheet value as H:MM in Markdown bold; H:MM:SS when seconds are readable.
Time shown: **5:51:52**
